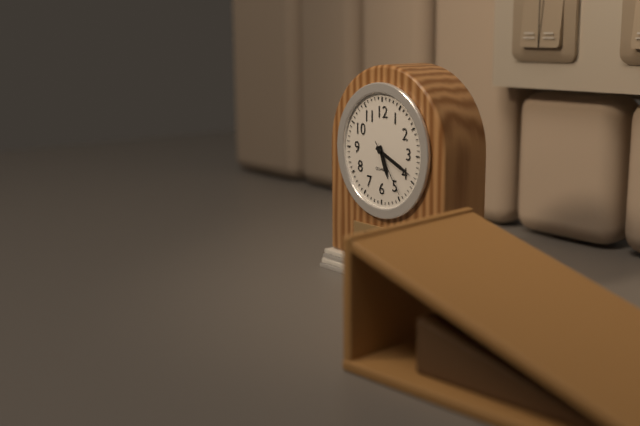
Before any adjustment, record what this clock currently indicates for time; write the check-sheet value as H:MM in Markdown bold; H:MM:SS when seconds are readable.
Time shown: **5:19:24**
